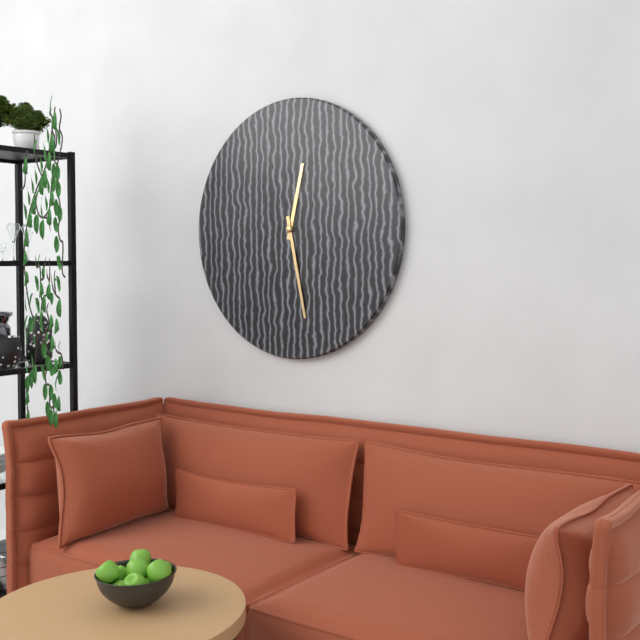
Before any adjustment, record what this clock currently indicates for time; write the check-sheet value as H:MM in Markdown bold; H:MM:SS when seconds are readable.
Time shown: **12:28**
